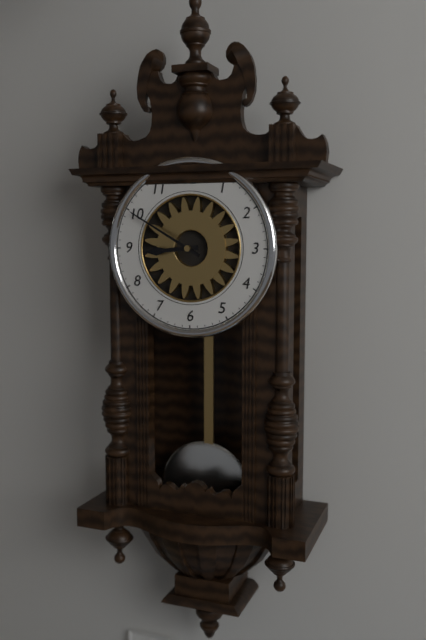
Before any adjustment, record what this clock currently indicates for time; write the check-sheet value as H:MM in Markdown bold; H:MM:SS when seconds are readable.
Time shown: **8:50**
